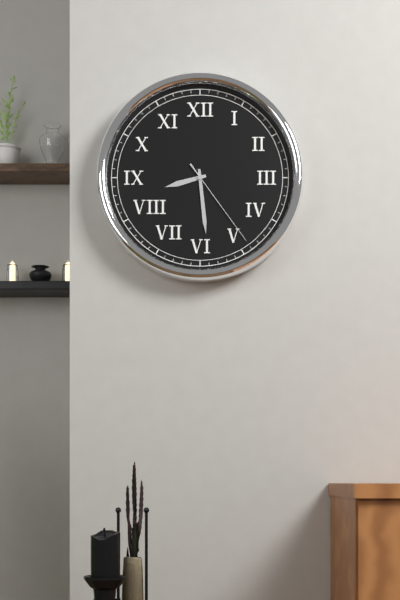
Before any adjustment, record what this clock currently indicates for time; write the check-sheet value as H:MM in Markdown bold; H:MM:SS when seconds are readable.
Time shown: **8:29:24**
